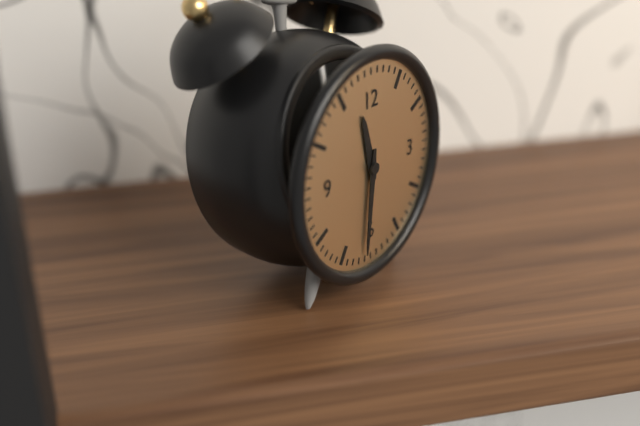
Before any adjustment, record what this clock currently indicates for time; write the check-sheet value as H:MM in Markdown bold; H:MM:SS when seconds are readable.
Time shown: **11:31**
